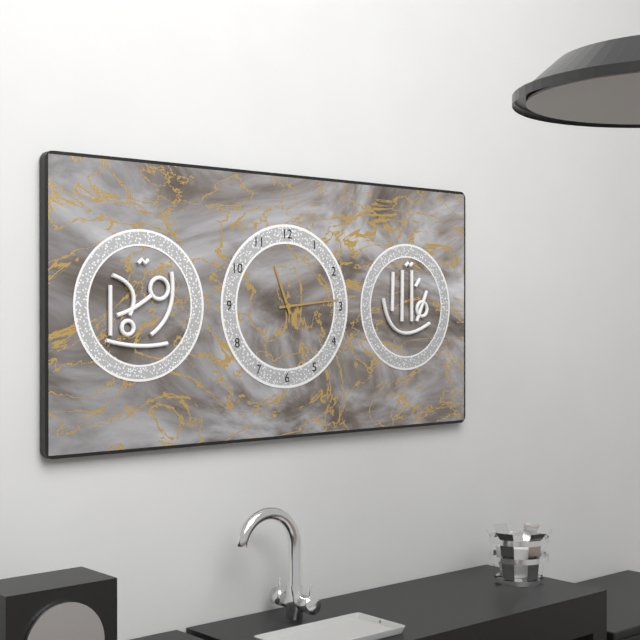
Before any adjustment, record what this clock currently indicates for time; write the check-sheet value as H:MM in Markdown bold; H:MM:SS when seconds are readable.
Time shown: **11:14**
